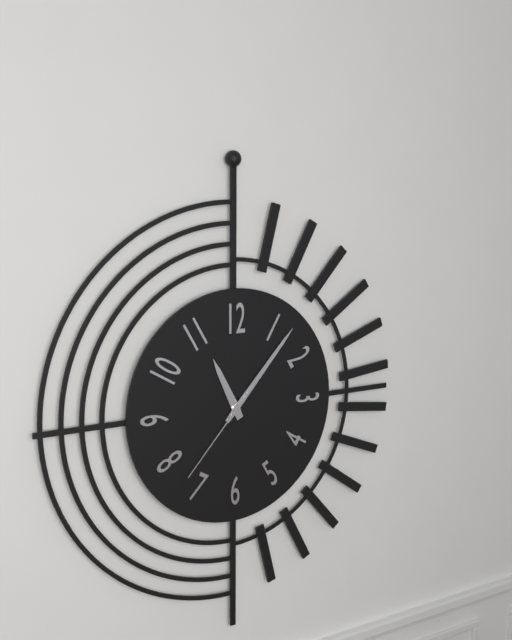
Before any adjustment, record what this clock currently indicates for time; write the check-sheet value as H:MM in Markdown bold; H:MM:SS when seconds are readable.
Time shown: **11:07:37**
